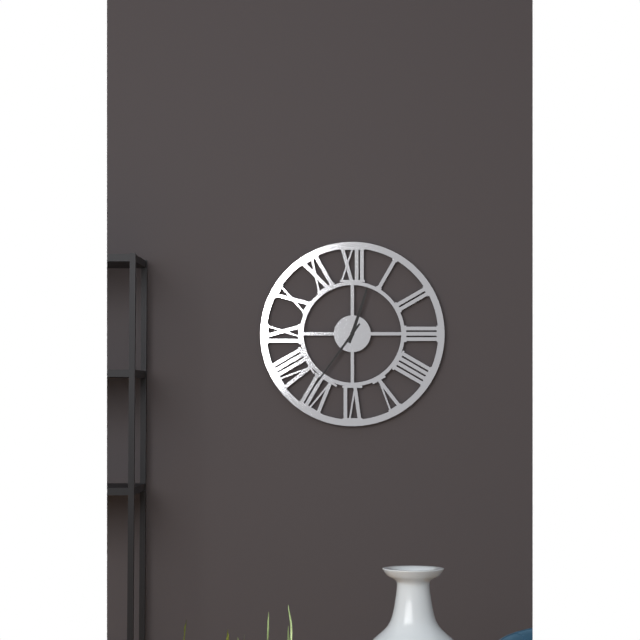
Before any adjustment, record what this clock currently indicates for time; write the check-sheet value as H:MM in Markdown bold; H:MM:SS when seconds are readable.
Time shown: **12:36**
